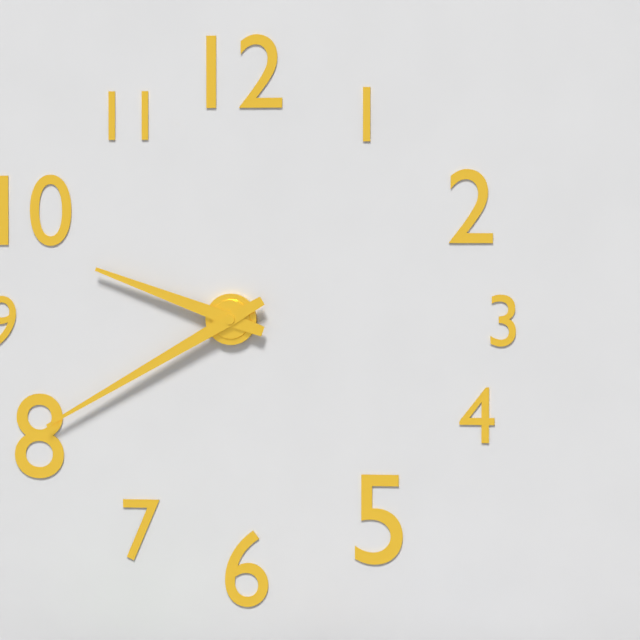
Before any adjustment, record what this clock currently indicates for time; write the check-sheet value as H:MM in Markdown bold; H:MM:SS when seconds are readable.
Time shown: **9:40**
